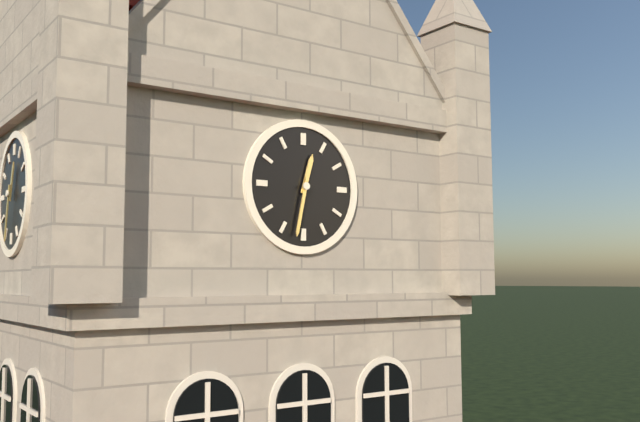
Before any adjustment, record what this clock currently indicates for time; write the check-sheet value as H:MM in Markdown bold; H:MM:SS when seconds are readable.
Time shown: **12:32**
